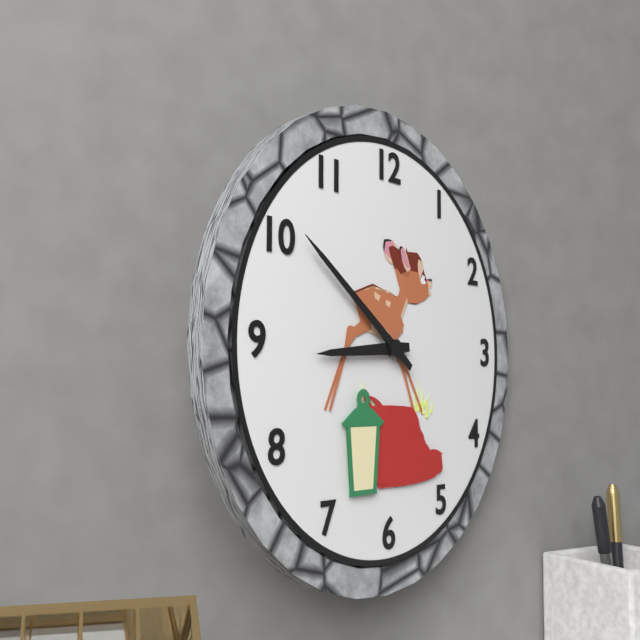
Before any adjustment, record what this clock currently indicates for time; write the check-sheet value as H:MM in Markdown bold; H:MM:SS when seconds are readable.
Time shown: **8:51**
